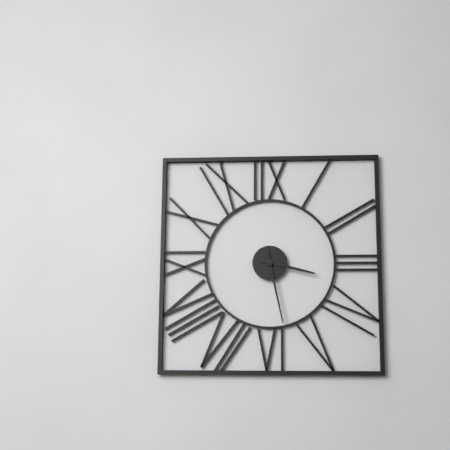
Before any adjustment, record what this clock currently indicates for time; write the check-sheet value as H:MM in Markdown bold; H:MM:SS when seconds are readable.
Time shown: **3:28**
